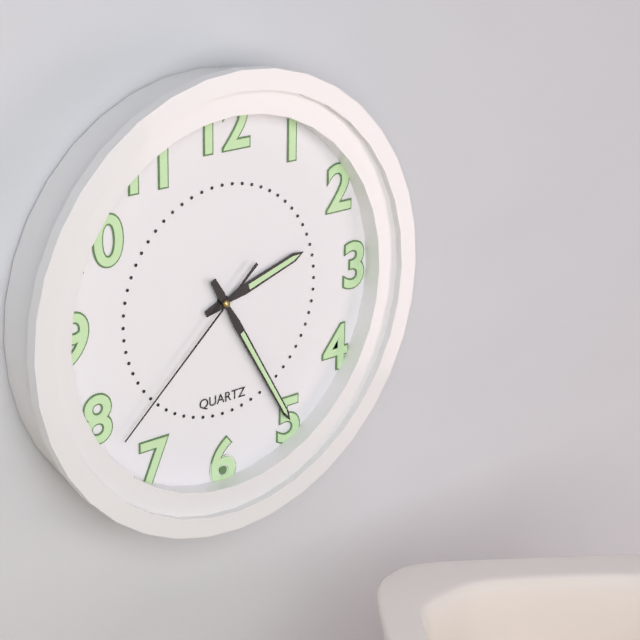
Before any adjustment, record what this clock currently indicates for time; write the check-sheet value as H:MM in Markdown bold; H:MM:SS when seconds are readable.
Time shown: **2:25:38**
